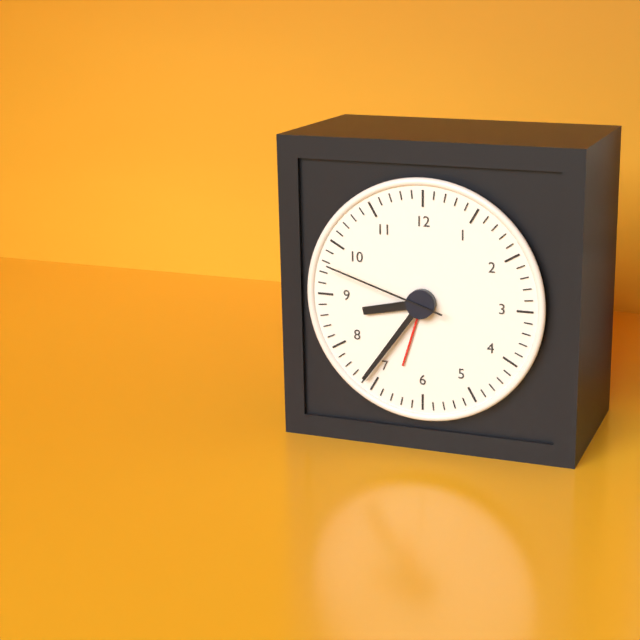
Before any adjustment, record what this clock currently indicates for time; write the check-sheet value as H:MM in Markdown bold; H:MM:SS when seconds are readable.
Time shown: **8:36:48**
